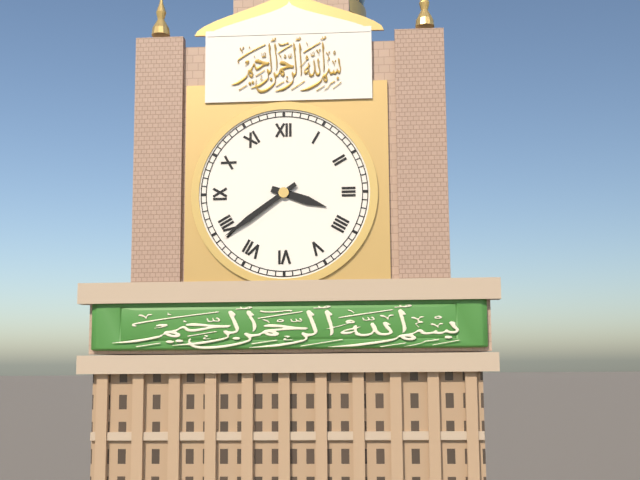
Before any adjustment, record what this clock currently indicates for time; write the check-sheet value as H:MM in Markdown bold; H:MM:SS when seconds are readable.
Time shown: **3:39**
